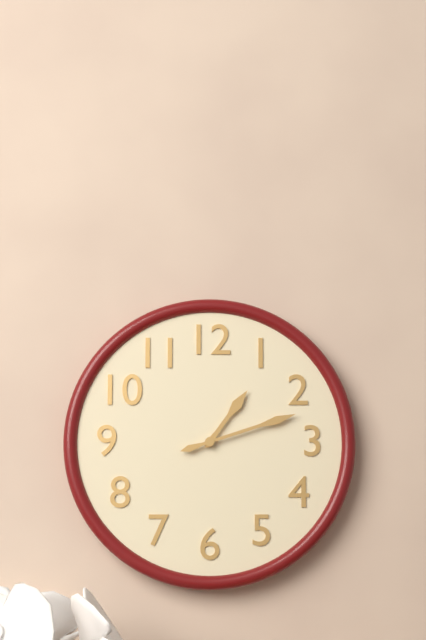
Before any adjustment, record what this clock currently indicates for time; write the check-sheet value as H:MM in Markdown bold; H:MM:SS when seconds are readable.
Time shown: **1:12**
